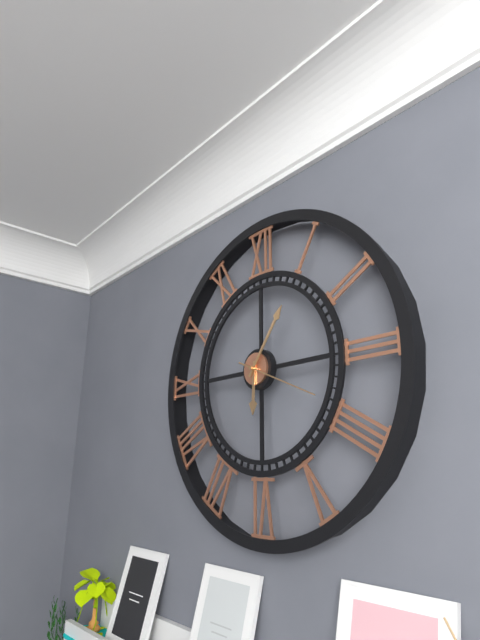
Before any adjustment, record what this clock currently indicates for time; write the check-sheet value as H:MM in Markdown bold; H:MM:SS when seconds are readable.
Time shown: **6:06:19**
